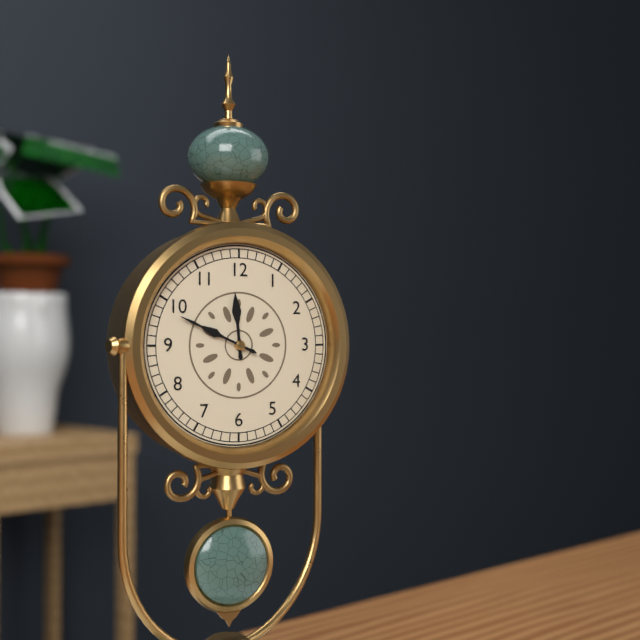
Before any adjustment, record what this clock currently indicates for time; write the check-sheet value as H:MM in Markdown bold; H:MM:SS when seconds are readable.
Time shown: **11:49**
